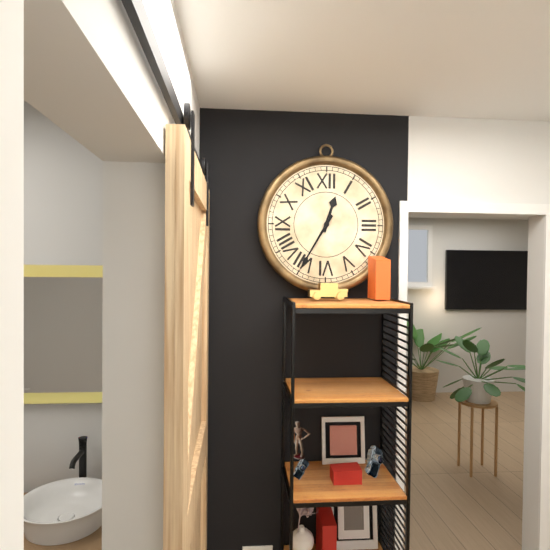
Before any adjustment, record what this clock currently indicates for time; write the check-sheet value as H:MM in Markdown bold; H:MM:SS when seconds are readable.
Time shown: **12:35**
